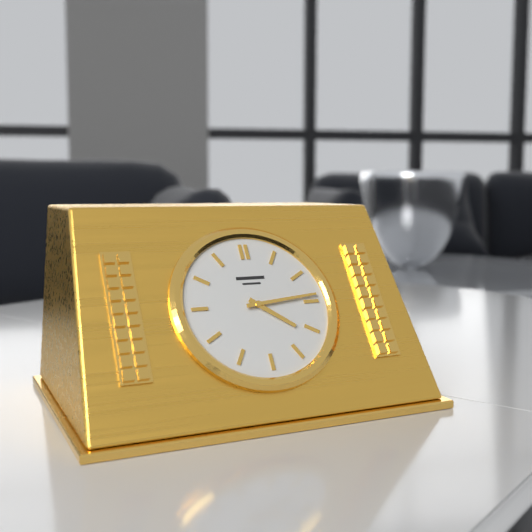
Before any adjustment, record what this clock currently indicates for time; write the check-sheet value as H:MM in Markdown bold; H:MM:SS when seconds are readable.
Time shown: **4:14**
